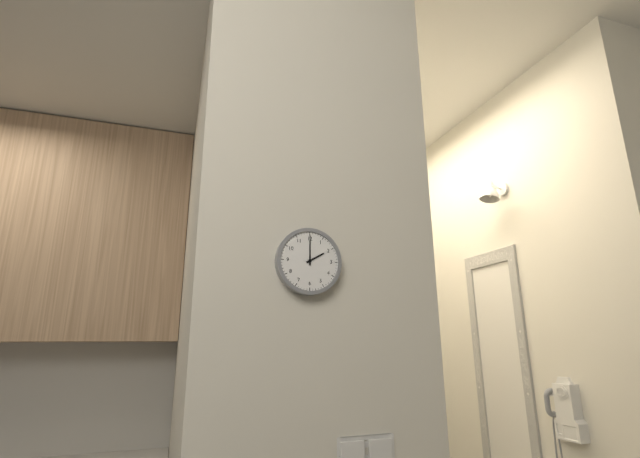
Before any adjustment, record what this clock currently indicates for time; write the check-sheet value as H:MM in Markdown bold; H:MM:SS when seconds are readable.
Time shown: **2:00**
